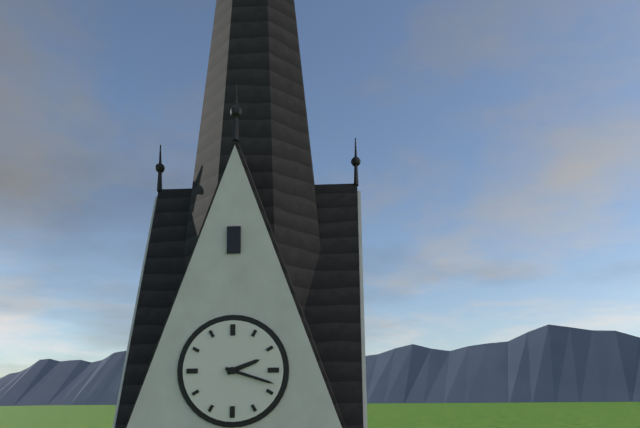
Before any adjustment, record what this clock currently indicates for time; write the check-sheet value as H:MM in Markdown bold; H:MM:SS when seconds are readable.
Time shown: **2:18**
